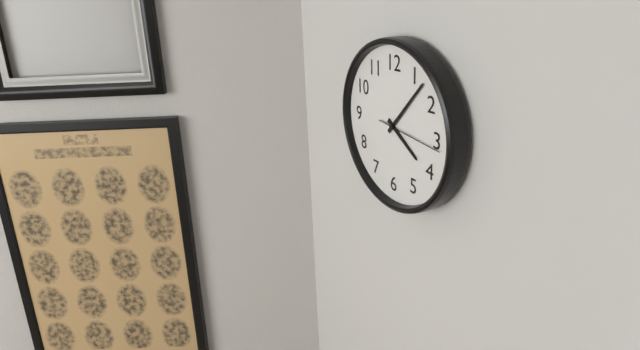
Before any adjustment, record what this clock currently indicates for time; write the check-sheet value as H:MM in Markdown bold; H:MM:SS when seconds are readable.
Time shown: **4:07:16**
